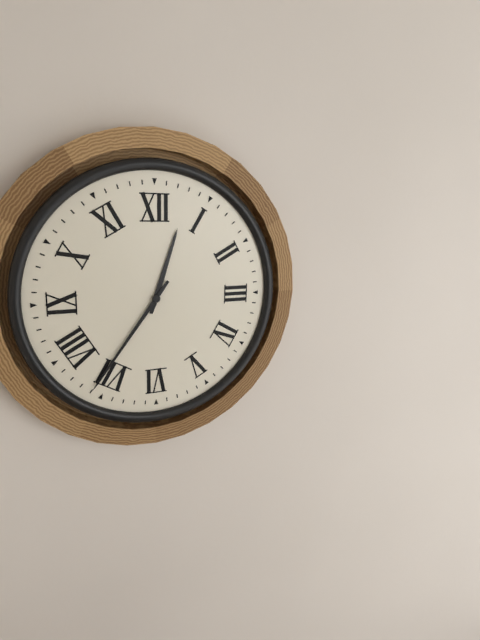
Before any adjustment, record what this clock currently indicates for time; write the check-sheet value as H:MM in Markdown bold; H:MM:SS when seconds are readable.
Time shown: **12:36**
